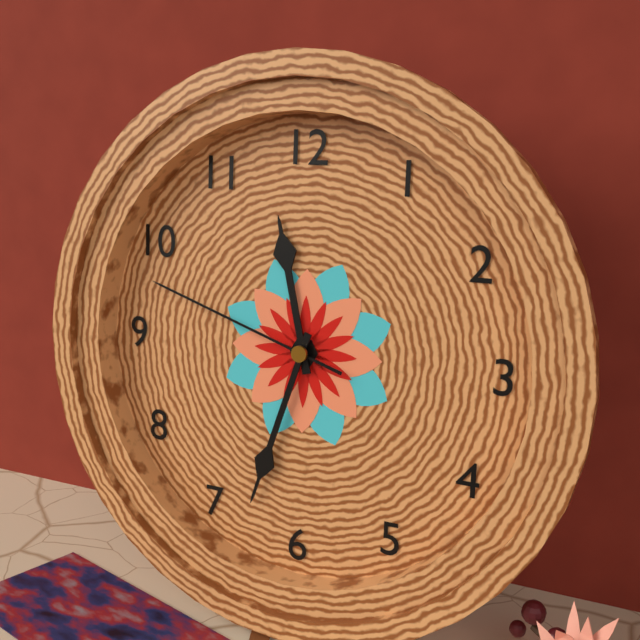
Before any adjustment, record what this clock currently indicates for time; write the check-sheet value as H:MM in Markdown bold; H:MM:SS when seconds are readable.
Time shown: **11:33:48**
